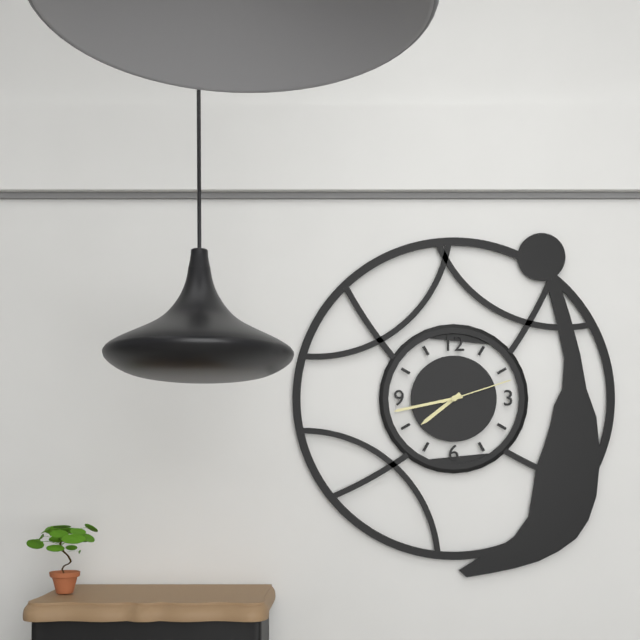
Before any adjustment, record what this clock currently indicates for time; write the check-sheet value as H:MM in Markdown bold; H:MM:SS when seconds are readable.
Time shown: **7:43:12**
